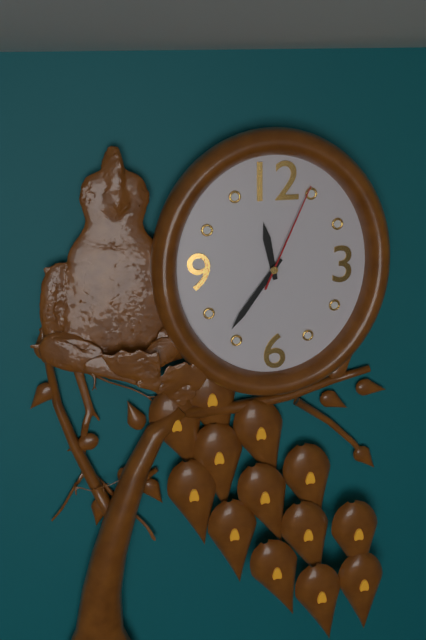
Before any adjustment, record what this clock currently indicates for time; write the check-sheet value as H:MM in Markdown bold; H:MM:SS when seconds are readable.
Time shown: **11:36:04**
